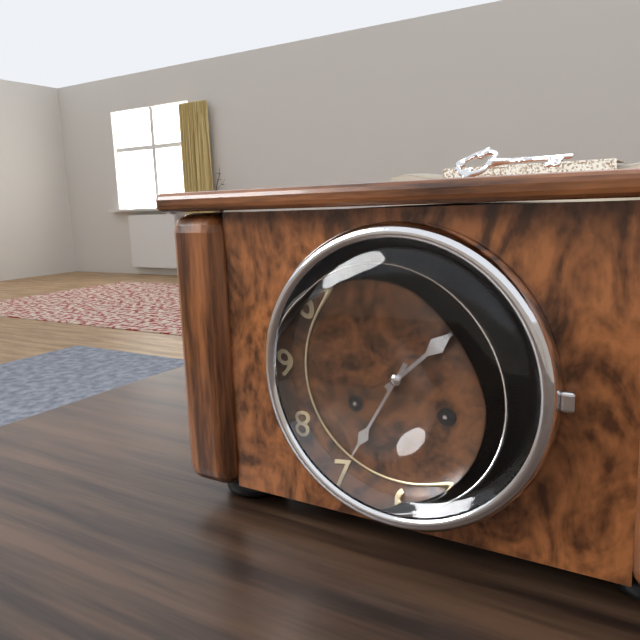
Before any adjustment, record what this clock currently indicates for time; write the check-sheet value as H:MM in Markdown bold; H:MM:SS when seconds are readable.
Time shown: **1:35**
